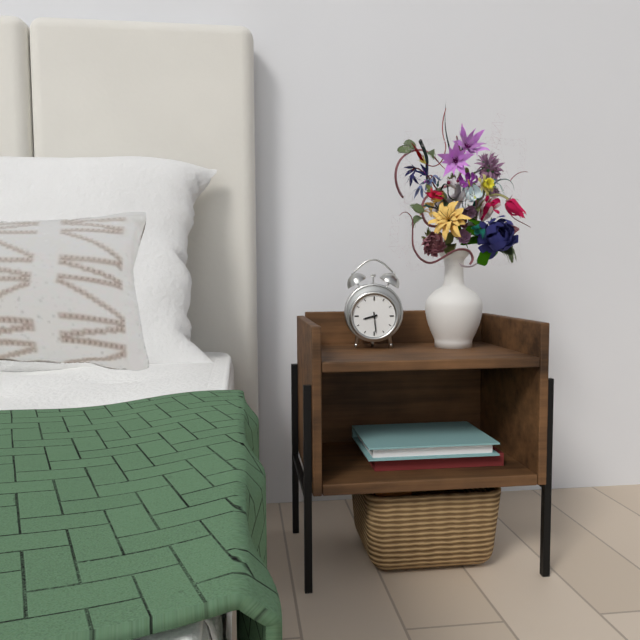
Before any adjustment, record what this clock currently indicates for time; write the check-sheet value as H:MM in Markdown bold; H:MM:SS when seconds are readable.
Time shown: **8:29**
